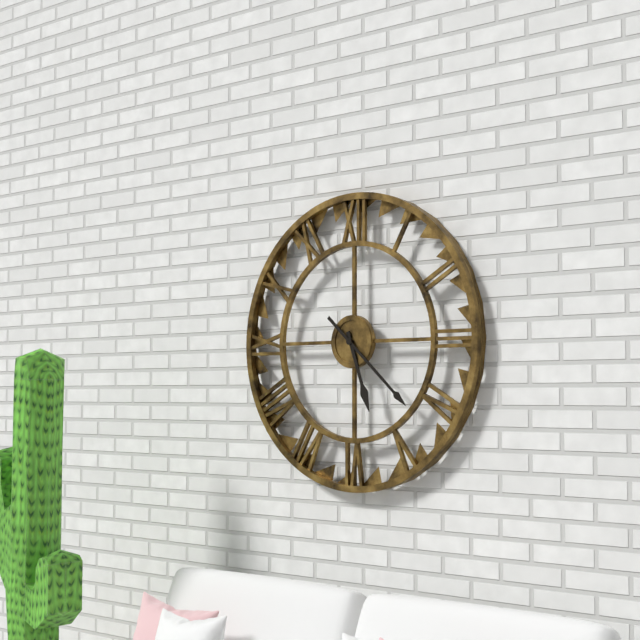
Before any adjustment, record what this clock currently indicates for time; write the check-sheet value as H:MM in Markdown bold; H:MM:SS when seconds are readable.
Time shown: **5:22**
